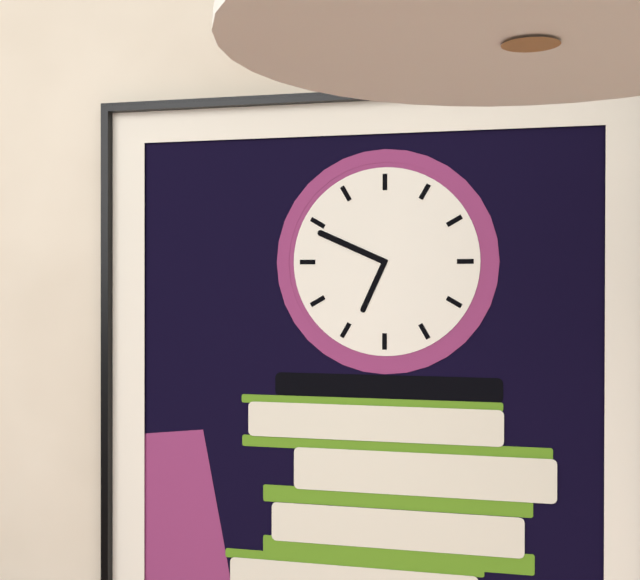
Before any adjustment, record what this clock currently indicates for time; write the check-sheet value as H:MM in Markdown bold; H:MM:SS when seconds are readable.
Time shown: **6:49**
